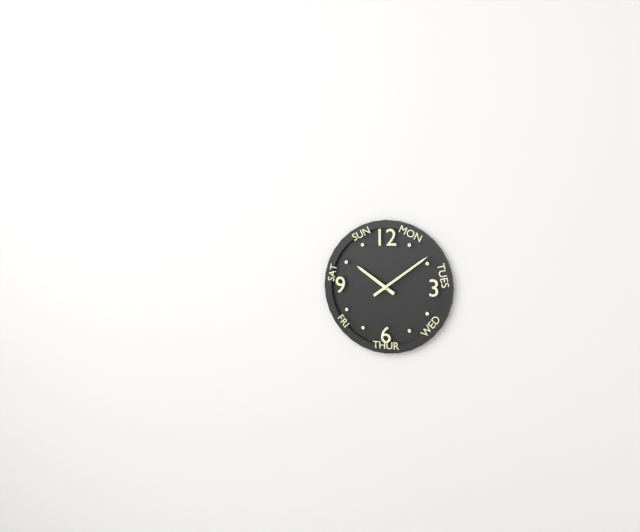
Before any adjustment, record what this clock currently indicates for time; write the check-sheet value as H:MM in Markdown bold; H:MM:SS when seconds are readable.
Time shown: **10:09**
